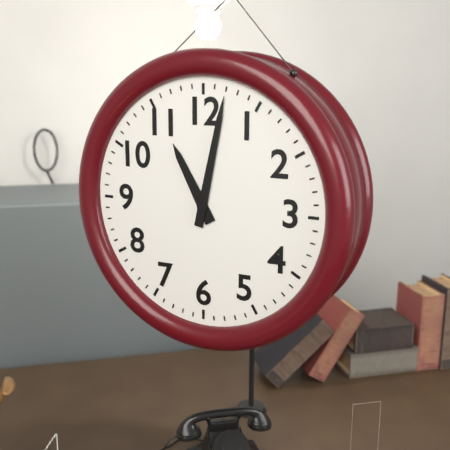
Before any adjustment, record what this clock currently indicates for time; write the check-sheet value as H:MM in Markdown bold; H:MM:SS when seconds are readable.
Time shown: **11:02**
